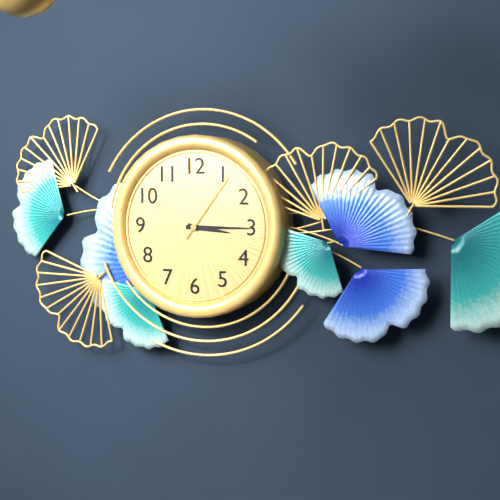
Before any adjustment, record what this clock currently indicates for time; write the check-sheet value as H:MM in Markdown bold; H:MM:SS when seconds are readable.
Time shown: **3:15:06**
